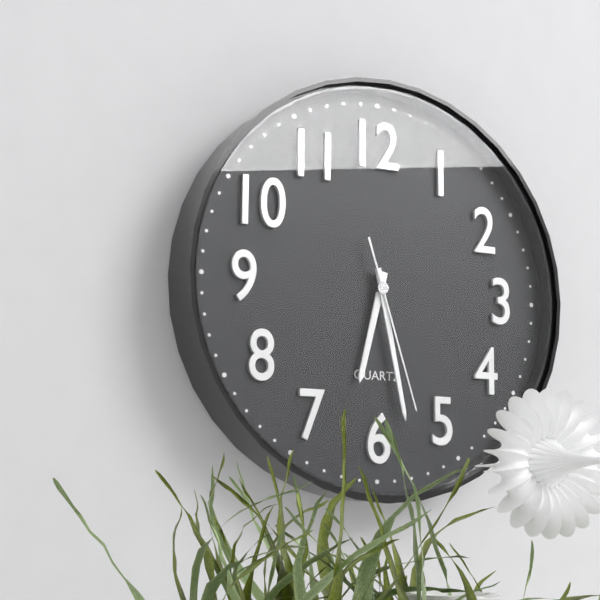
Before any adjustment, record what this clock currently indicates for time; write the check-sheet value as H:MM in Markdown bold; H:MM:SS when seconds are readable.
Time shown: **6:28:27**
